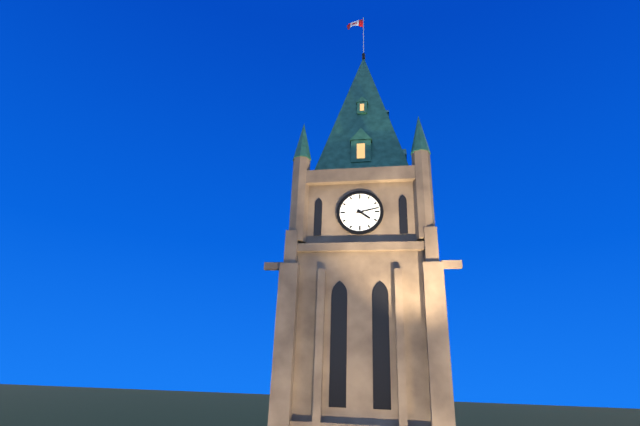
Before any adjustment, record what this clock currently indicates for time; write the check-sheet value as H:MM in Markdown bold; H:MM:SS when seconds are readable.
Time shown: **4:13**
